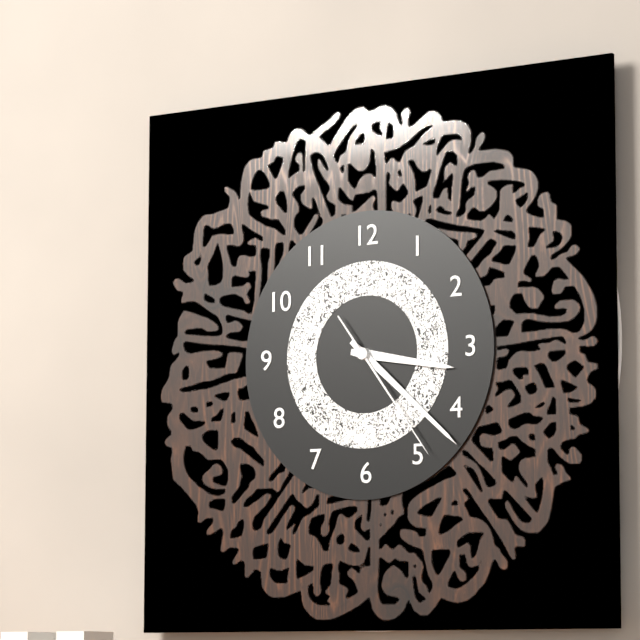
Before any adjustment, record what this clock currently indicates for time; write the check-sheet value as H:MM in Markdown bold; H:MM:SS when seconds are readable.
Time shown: **3:22:24**
